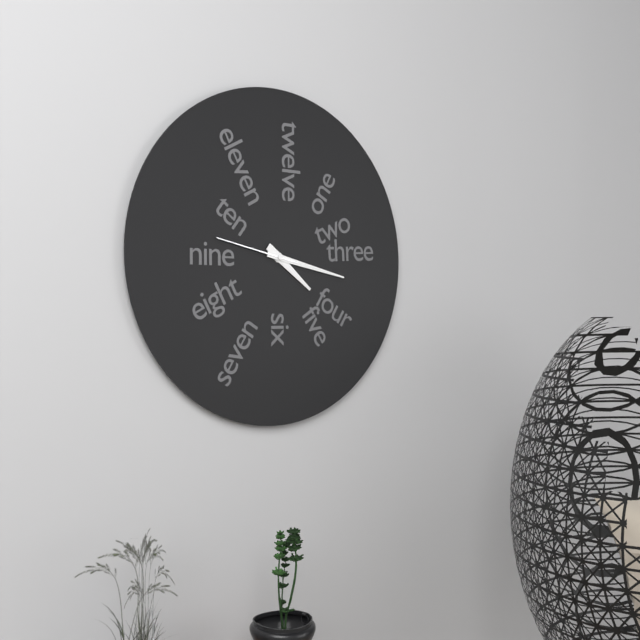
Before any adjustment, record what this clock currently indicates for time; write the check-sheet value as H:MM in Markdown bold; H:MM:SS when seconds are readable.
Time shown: **4:17:47**
